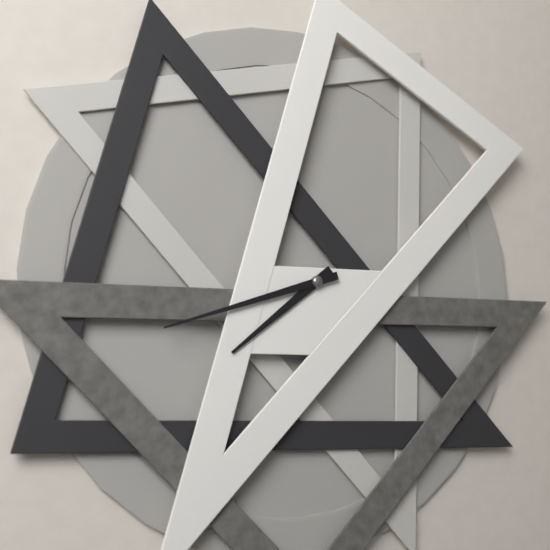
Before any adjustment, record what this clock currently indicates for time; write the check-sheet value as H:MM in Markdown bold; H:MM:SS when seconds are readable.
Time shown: **7:42**
